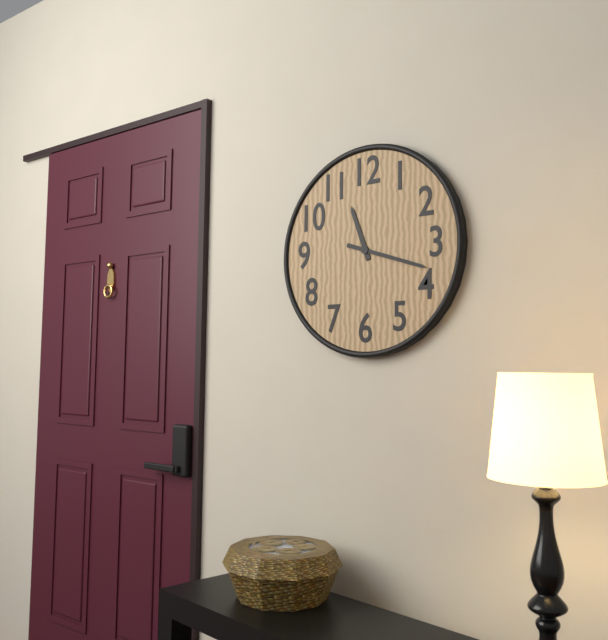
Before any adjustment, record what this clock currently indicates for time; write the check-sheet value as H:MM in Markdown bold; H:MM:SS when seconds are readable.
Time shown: **11:18**
